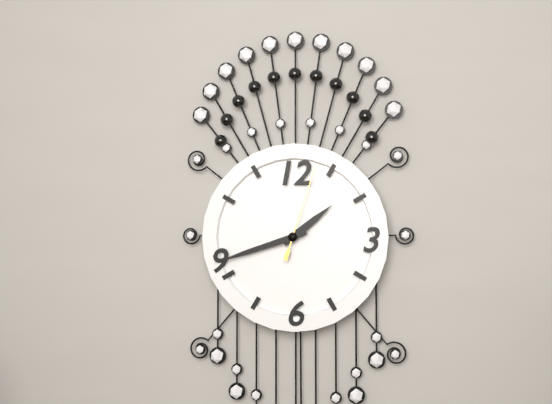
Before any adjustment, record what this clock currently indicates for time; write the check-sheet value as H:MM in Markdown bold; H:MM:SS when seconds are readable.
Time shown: **1:42:03**
